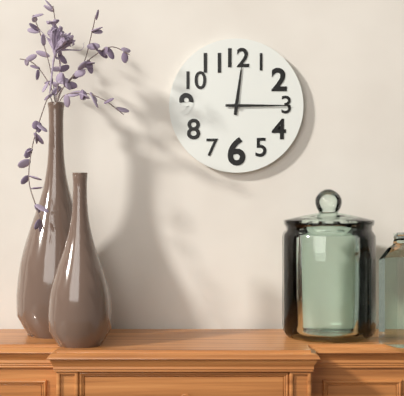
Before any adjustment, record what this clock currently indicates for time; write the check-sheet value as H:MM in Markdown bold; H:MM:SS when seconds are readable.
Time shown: **12:15**
